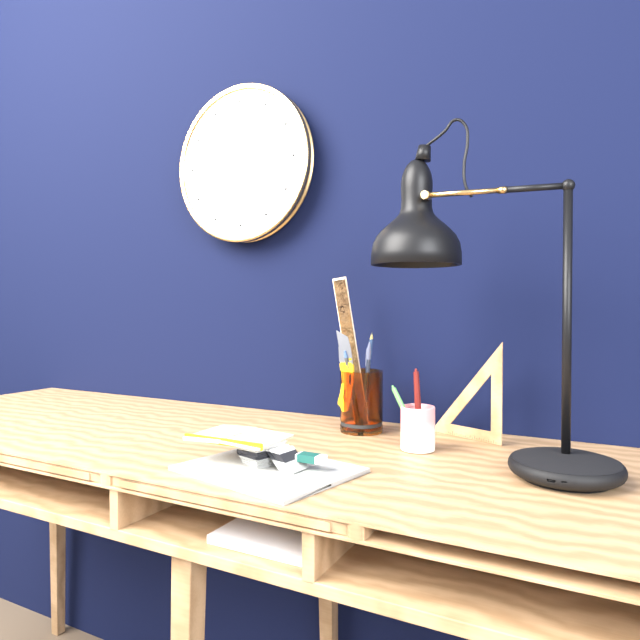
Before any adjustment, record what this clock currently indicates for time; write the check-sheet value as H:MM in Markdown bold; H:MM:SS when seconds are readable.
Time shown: **6:10**
